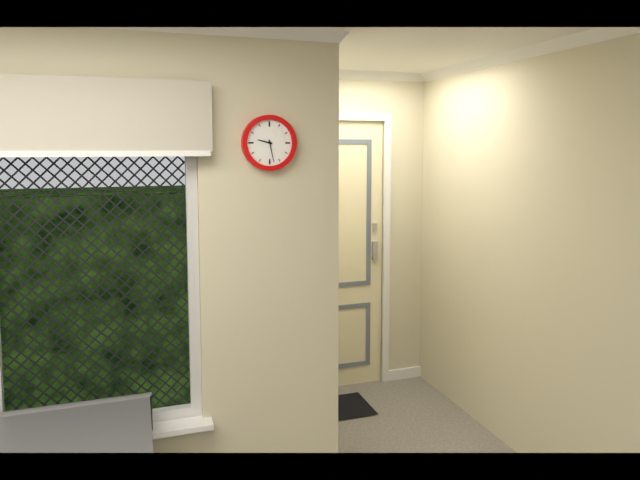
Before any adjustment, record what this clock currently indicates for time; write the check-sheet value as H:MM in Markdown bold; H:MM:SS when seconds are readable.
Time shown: **9:28**
